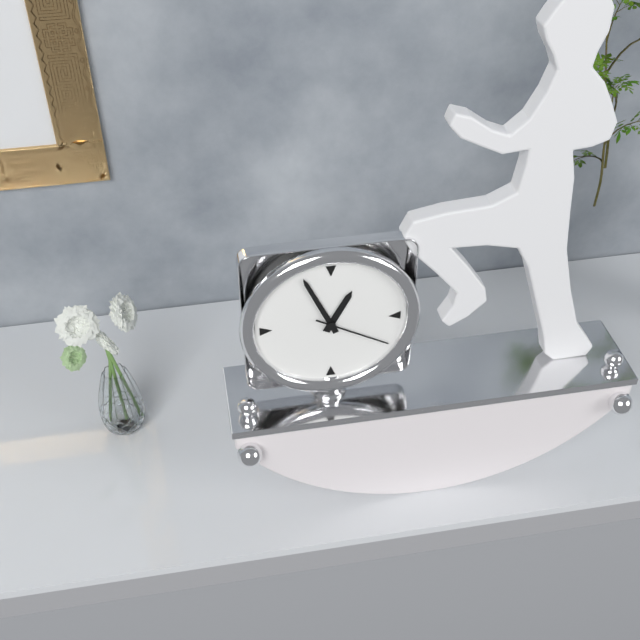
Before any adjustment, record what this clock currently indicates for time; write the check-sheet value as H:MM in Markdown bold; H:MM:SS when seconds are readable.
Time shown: **12:56:20**
